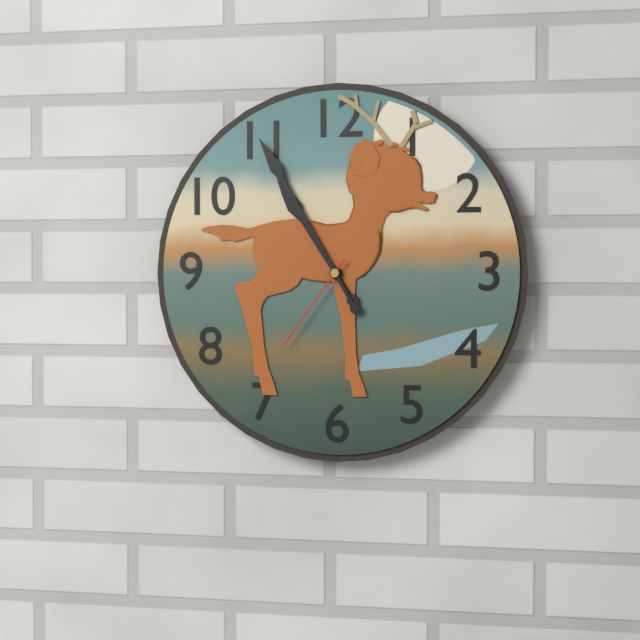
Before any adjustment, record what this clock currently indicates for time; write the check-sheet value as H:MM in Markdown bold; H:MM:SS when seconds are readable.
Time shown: **10:55:36**
